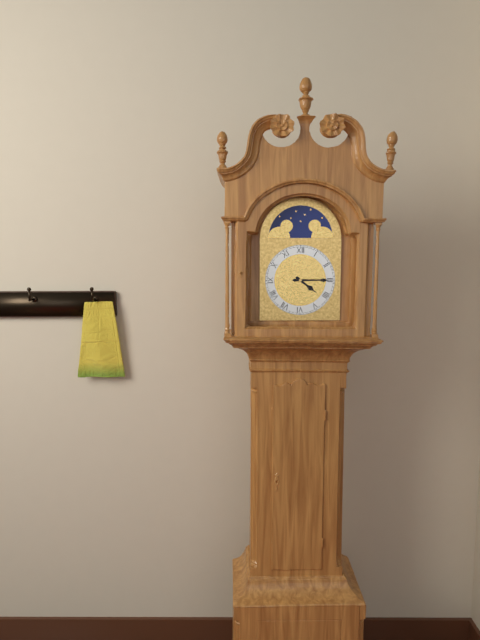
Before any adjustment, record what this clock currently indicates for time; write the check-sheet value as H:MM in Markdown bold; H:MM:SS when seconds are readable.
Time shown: **4:15**
